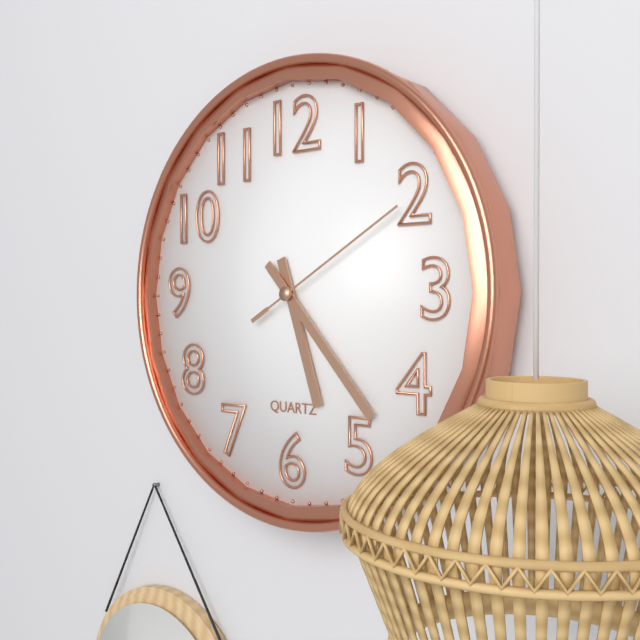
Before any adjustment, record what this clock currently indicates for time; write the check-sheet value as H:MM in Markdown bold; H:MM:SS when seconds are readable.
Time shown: **5:23:10**
